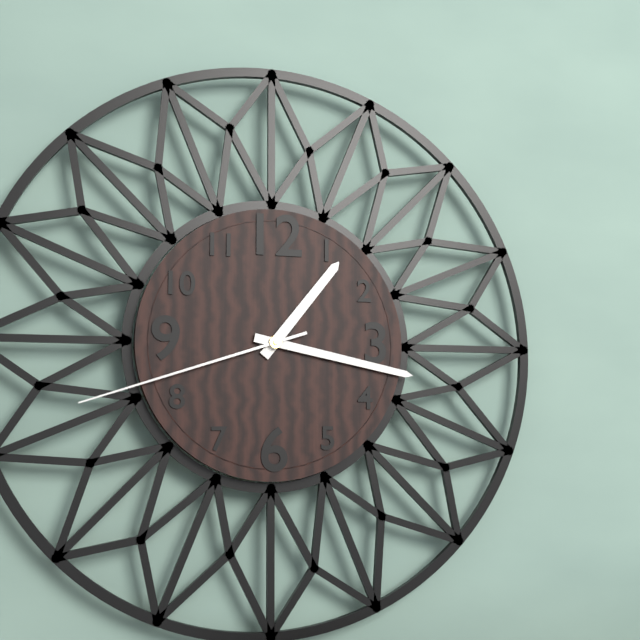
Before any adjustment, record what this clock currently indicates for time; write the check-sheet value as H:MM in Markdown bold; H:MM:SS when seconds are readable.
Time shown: **1:17:42**
